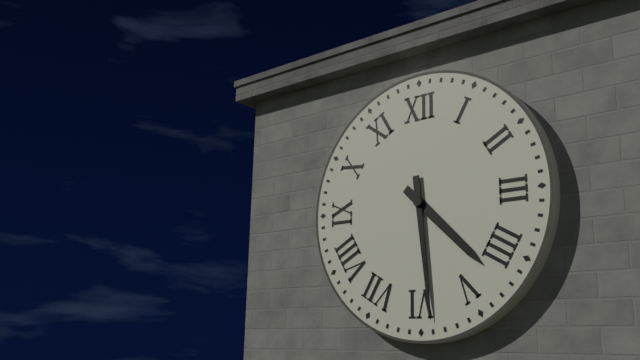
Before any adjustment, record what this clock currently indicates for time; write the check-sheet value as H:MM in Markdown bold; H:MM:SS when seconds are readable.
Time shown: **4:29**
